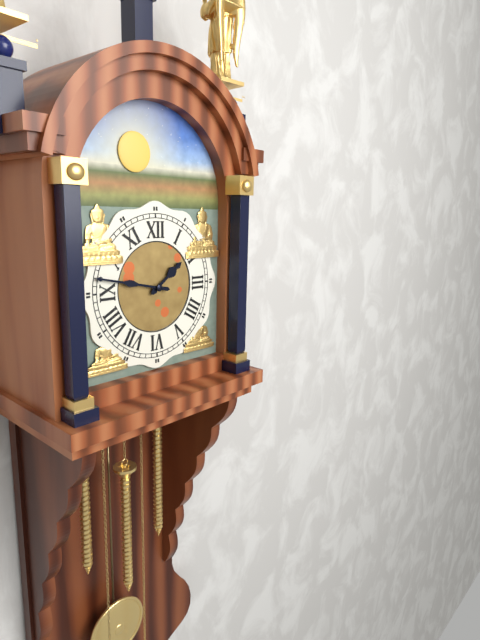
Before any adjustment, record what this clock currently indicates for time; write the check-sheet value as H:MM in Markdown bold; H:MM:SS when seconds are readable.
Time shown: **1:47**
